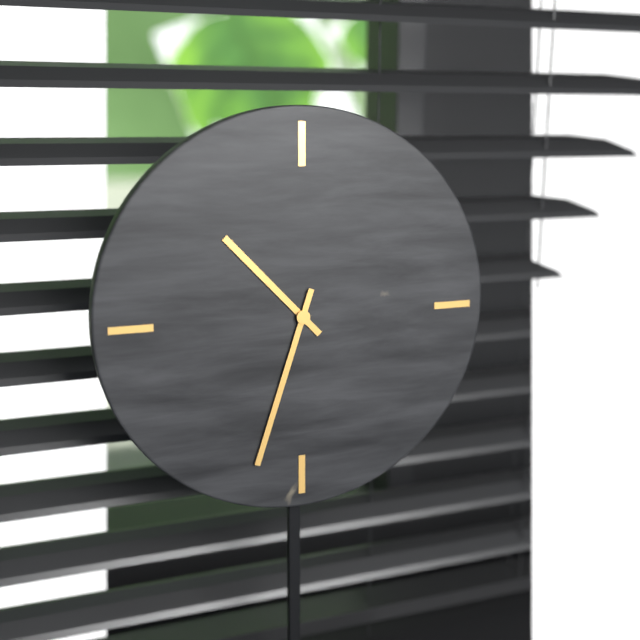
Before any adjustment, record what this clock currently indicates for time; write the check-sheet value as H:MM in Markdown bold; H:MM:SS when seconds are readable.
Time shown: **10:33**
